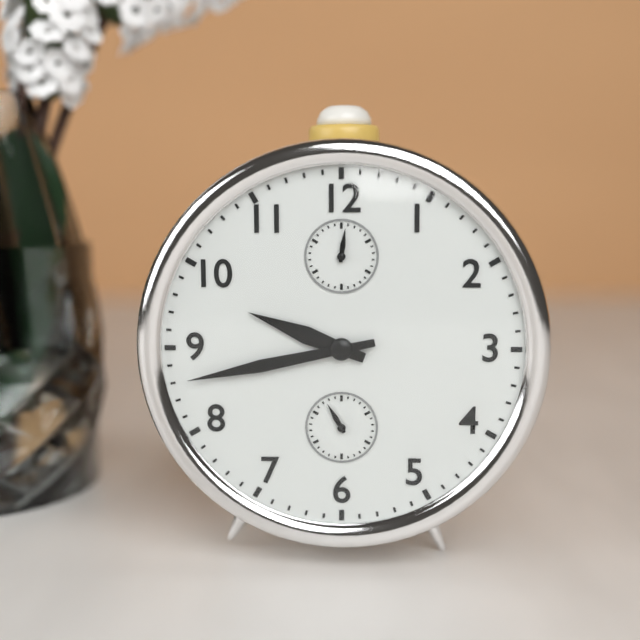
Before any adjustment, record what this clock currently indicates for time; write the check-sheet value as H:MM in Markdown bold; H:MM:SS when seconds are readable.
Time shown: **9:43**
